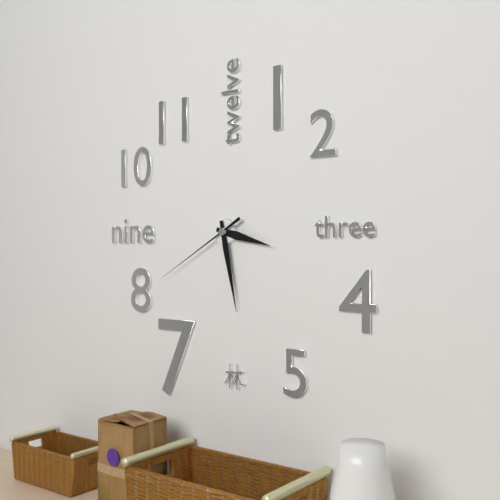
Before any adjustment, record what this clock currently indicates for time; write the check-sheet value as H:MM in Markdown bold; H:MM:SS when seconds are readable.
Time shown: **3:28:40**
